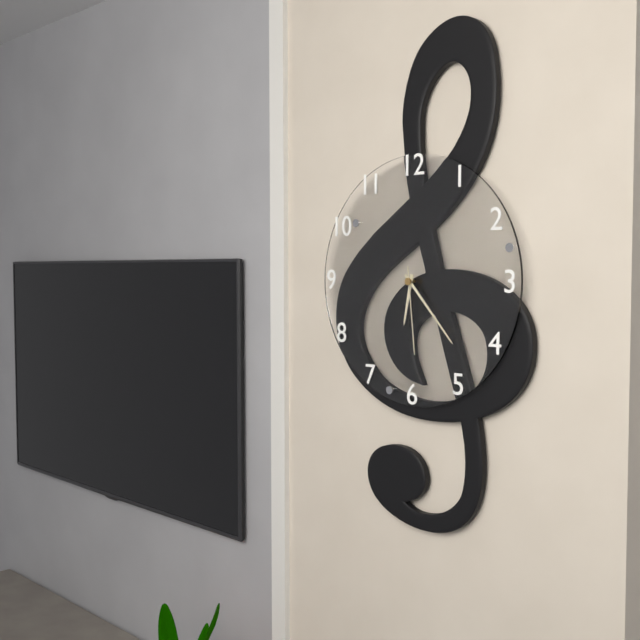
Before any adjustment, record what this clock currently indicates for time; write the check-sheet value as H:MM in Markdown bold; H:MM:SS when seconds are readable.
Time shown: **6:23:29**
